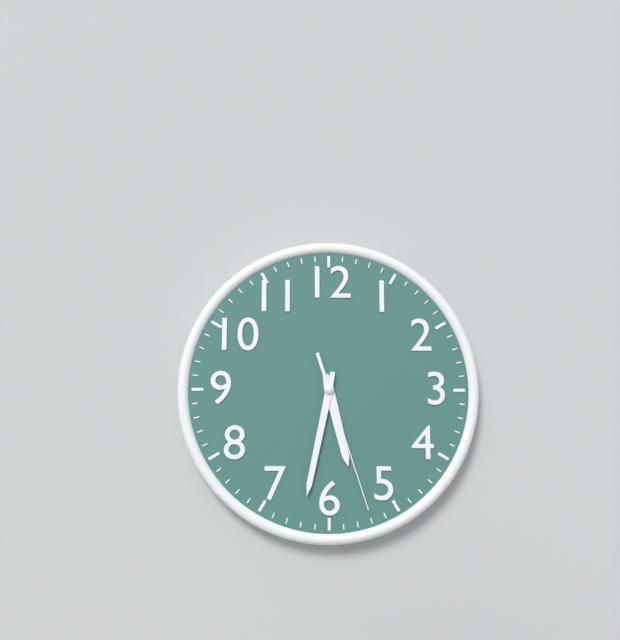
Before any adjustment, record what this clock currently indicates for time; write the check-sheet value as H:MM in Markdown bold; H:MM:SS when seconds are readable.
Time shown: **5:32:27**
